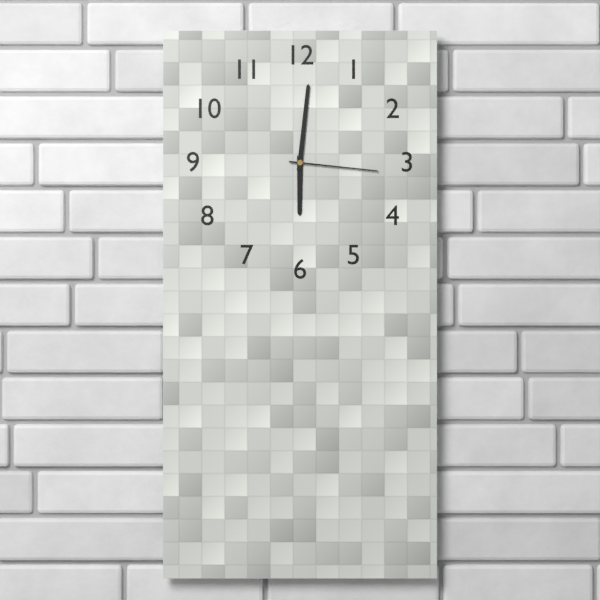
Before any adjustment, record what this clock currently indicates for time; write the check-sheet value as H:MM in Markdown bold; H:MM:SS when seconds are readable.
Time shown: **6:01:16**
